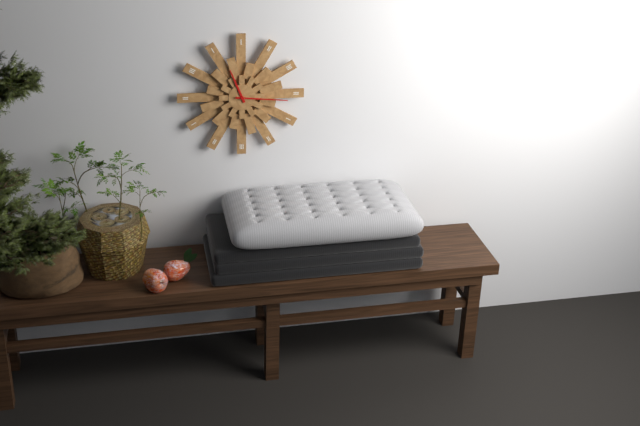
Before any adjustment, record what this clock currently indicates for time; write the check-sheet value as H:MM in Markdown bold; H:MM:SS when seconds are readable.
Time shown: **11:16**
